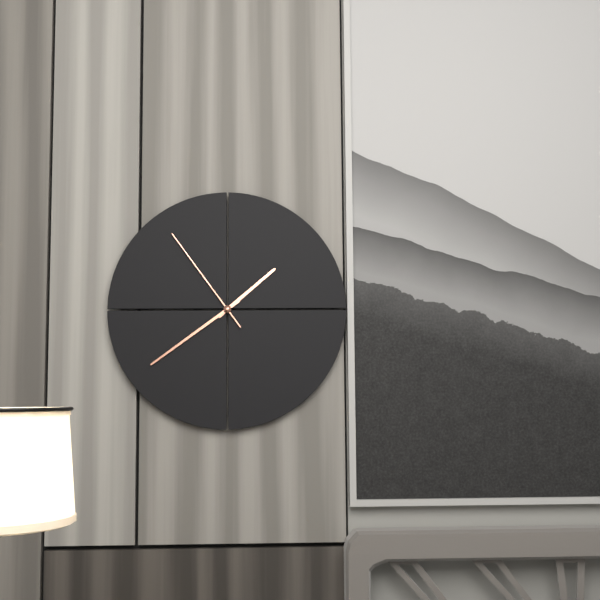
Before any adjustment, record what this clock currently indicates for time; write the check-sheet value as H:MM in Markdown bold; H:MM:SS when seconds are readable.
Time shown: **1:39:54**
